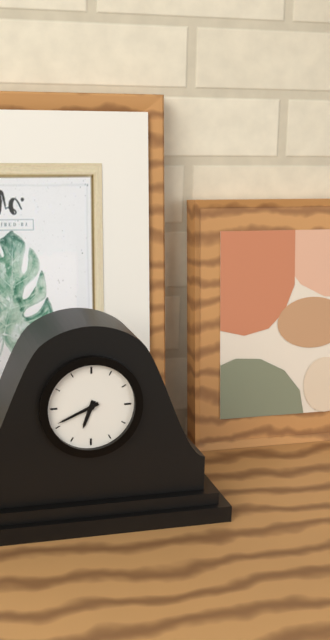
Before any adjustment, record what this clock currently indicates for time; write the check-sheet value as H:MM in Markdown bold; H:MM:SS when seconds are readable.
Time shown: **6:41**
